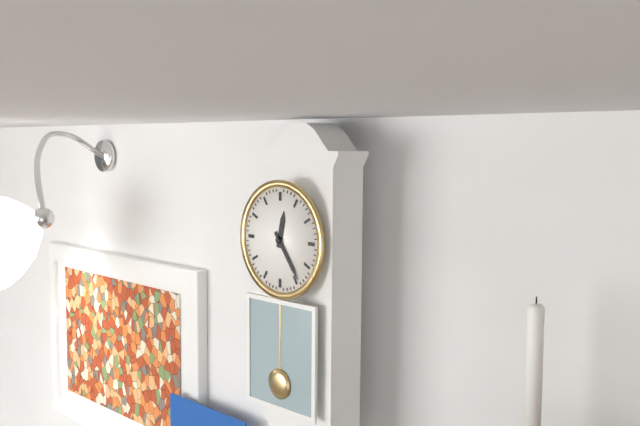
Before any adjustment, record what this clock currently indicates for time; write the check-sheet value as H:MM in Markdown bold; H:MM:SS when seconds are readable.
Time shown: **12:24**
